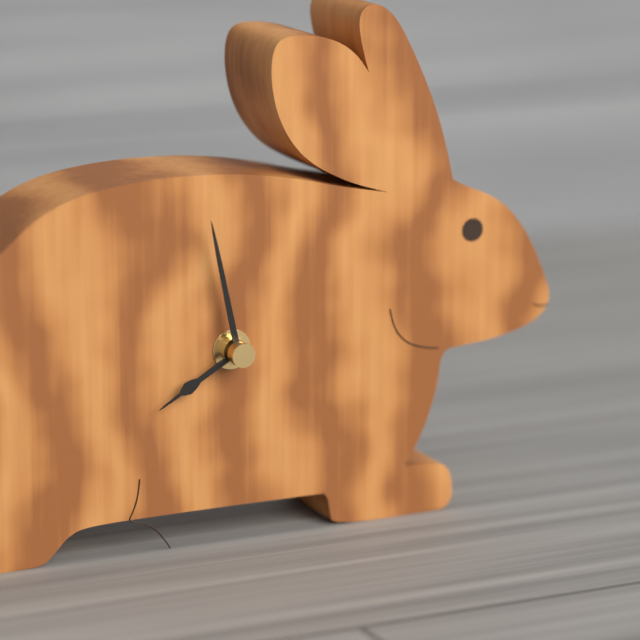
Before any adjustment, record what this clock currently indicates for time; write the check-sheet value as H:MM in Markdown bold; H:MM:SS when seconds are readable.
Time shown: **7:58**
